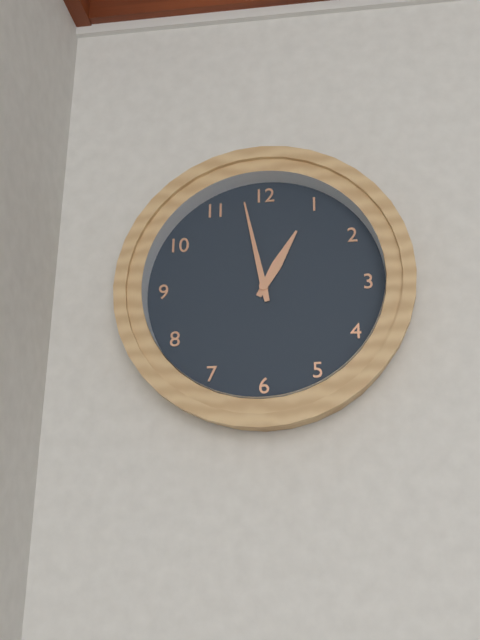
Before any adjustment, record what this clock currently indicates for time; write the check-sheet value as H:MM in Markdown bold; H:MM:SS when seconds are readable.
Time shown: **12:58**
